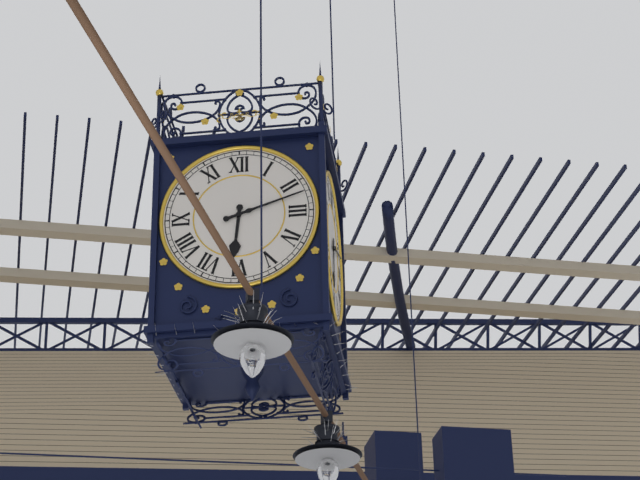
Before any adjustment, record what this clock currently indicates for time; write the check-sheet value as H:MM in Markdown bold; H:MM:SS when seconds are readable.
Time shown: **6:12**
